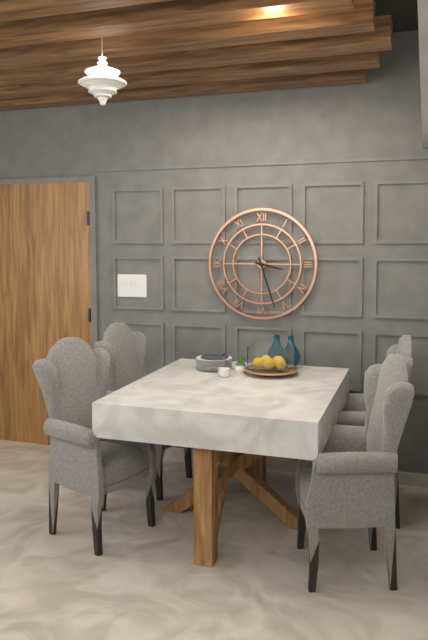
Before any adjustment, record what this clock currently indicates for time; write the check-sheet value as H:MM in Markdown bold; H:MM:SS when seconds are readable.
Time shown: **3:27**
